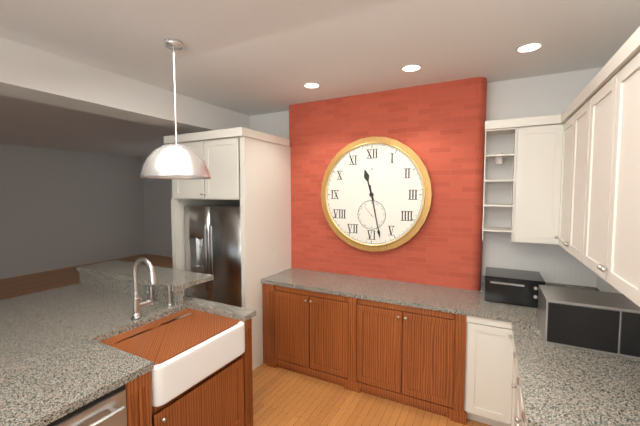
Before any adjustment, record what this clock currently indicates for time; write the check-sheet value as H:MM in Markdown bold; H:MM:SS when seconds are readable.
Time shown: **11:28**
